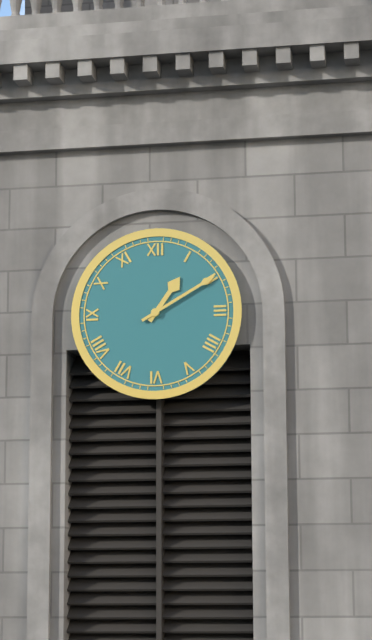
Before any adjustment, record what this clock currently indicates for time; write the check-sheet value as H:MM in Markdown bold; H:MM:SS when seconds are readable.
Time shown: **1:10**
